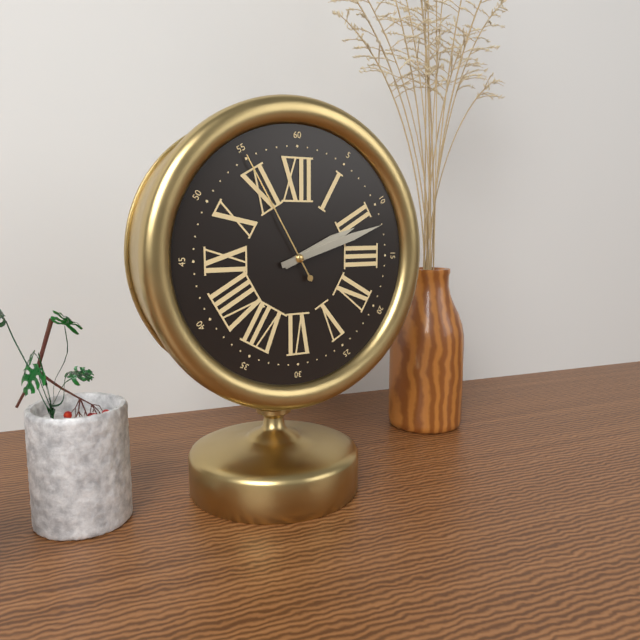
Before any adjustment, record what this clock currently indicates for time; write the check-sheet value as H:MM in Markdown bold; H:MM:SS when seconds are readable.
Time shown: **2:12:55**
